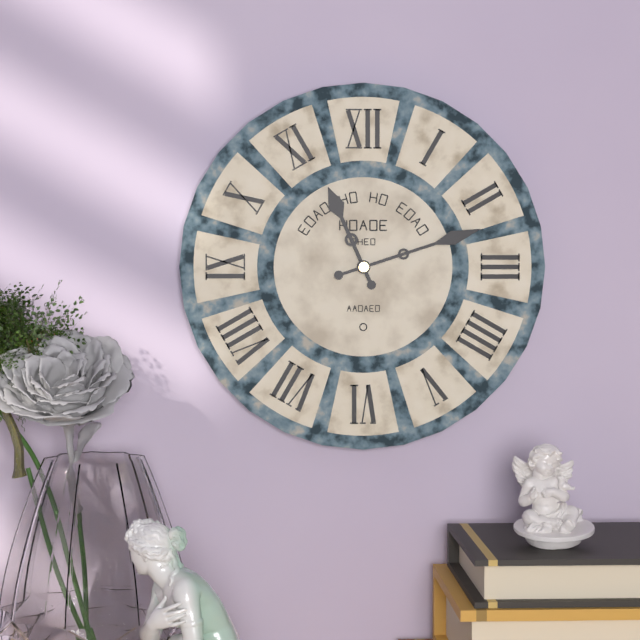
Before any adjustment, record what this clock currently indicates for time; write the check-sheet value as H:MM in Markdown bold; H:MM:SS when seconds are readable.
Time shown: **11:12**
